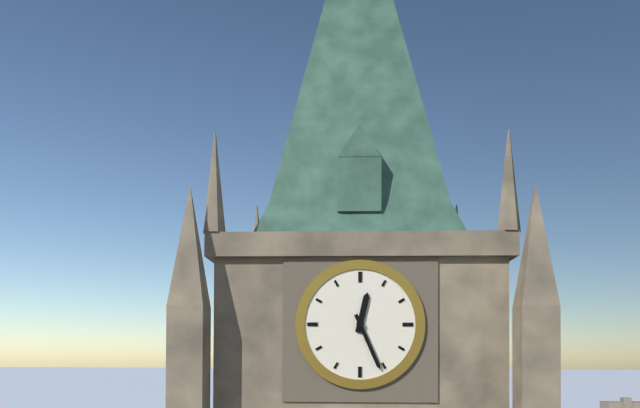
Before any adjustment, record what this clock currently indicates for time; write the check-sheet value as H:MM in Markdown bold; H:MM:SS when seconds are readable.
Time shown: **12:26**
